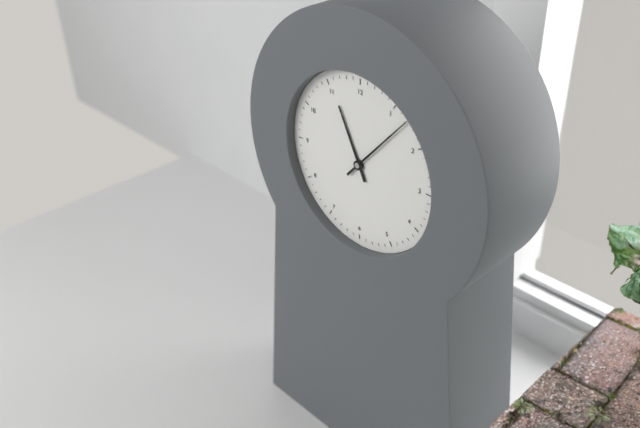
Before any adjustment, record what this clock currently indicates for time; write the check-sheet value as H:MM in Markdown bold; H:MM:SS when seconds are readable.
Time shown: **11:07**
